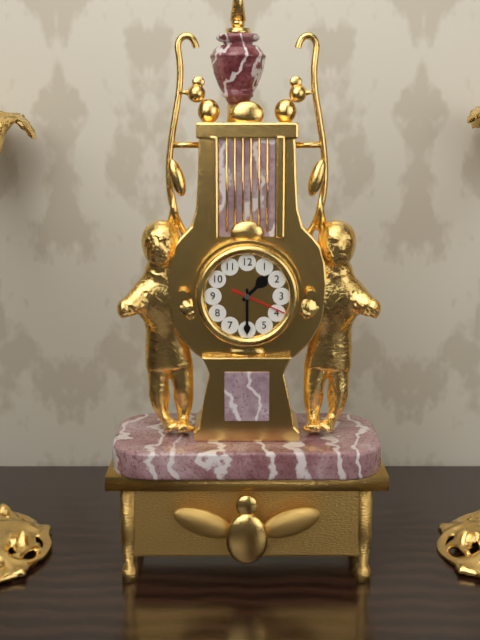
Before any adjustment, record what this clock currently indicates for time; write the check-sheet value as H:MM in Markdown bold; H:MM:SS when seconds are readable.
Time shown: **1:30:19**
